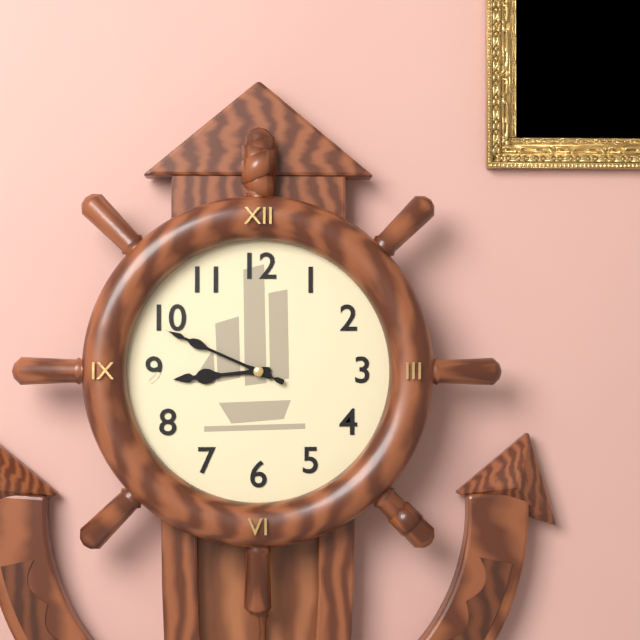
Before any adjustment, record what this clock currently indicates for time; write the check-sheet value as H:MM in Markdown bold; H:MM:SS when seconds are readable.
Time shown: **8:49:49**
